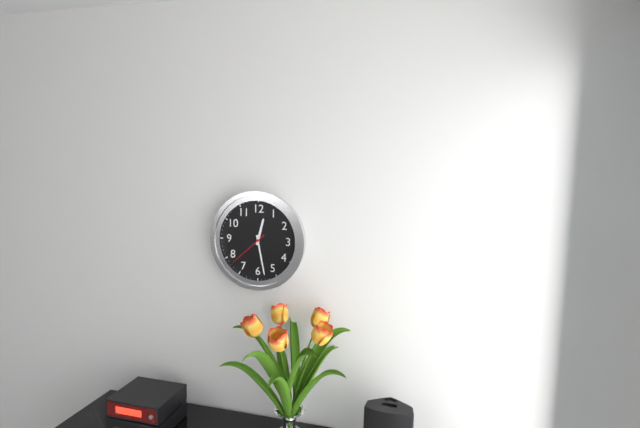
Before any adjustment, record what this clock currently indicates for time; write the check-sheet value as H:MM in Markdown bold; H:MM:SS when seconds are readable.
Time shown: **12:28**
